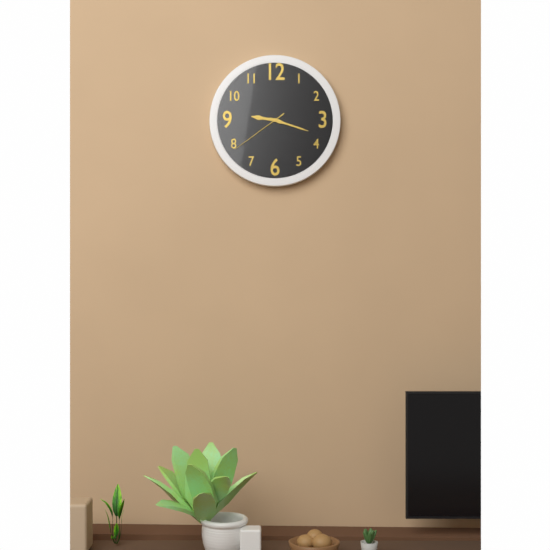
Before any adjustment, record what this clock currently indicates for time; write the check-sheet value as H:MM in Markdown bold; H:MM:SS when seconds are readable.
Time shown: **9:18:39**
